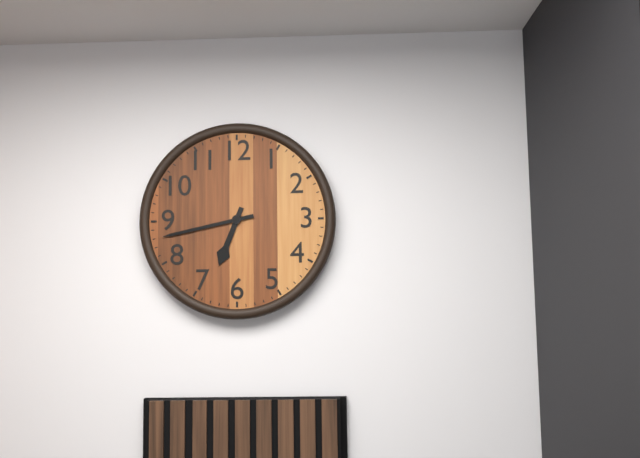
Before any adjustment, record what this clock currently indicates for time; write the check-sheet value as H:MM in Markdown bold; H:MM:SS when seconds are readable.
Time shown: **6:43**
